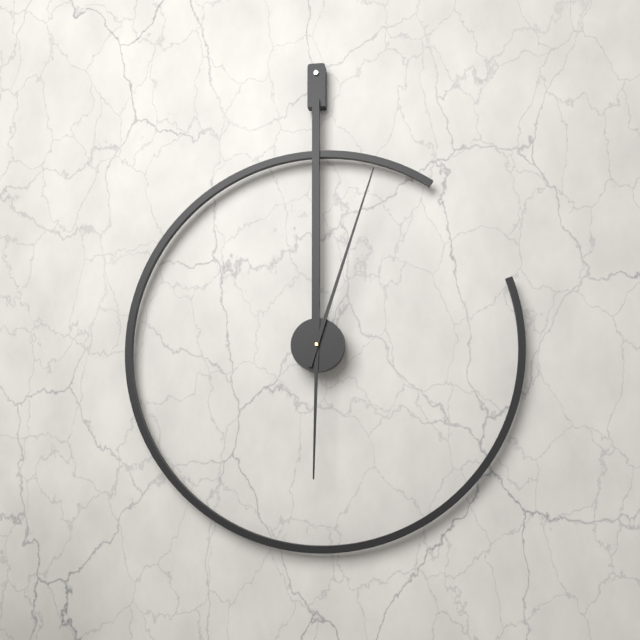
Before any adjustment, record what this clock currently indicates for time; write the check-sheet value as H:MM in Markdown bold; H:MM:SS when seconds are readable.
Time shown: **6:03**
